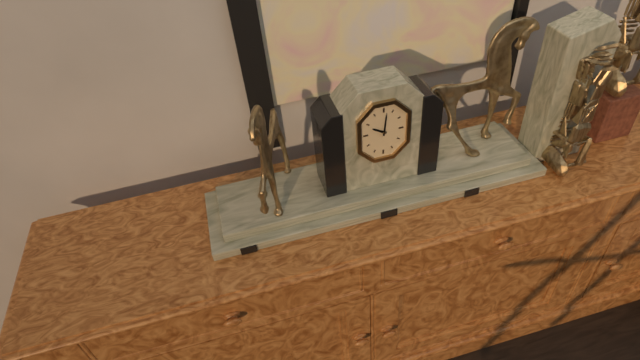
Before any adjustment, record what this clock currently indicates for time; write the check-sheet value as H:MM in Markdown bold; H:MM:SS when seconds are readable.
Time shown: **10:01**
